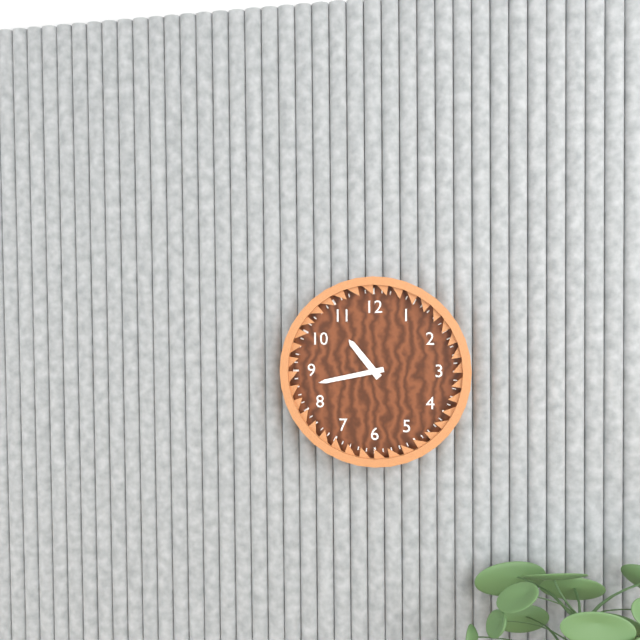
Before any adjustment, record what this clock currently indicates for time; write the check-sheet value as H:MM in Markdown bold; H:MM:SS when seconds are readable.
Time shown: **10:43**
